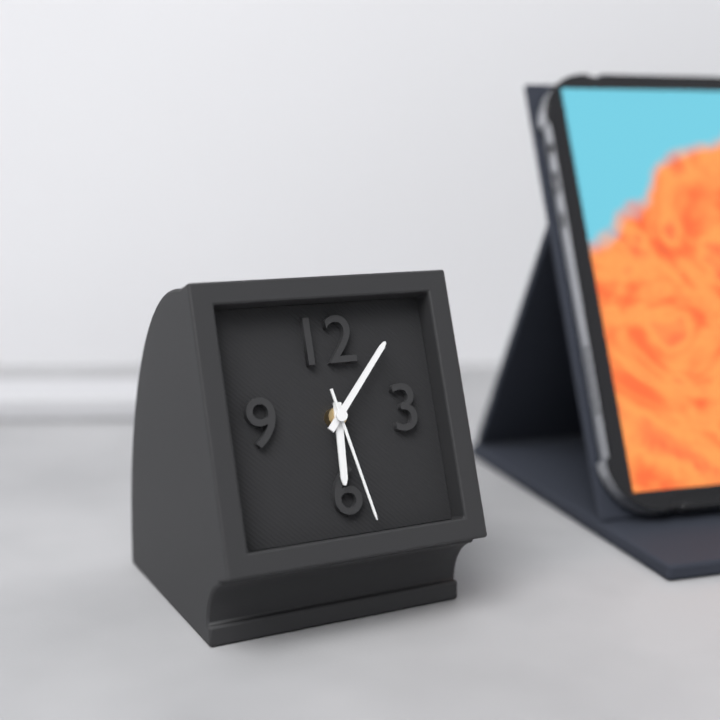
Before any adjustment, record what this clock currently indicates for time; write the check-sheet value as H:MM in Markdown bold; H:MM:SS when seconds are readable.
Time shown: **6:07:28**
